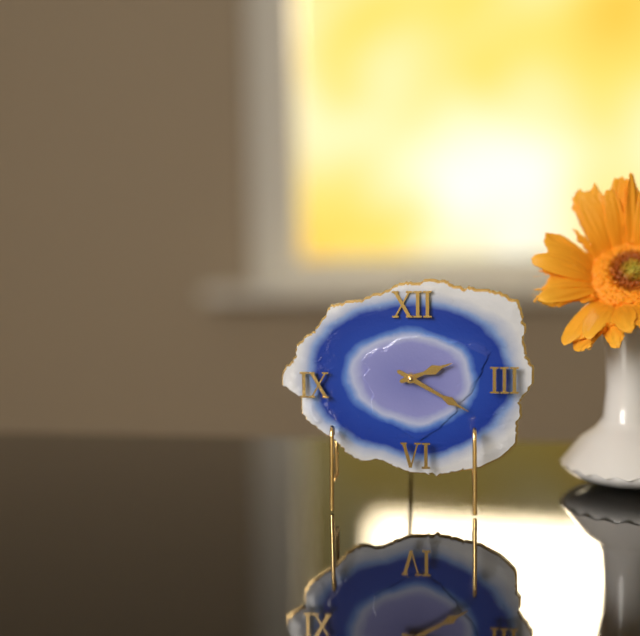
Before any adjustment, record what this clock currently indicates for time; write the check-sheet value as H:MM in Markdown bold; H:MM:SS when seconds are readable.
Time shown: **2:20**
